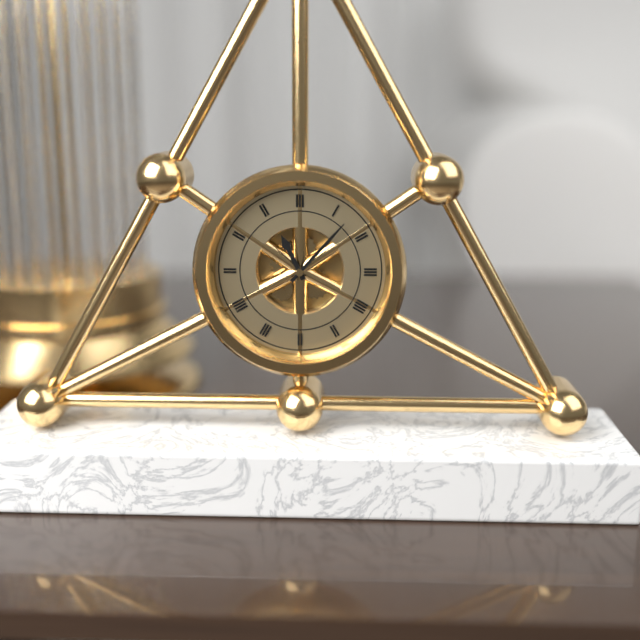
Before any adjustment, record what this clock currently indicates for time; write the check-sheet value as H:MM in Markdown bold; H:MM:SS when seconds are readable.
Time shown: **11:07**
